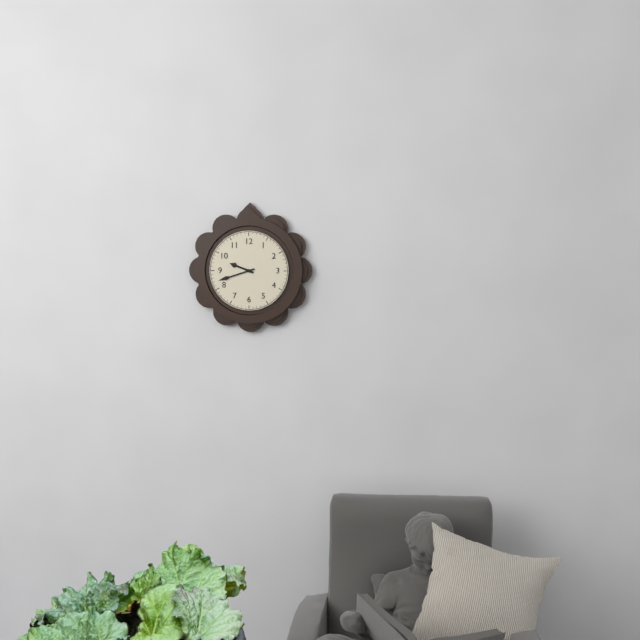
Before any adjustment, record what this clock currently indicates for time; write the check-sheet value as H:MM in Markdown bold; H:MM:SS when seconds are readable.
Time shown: **9:42**
